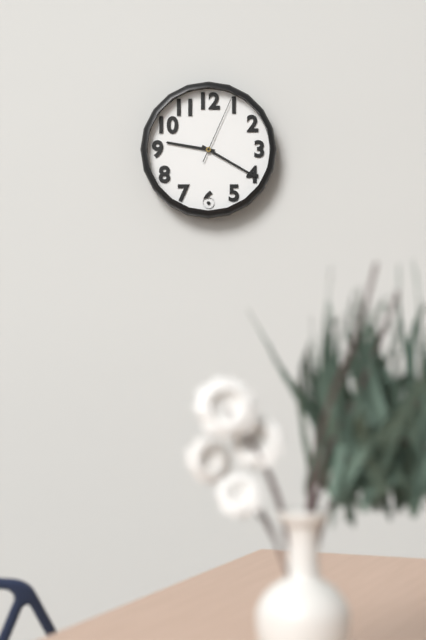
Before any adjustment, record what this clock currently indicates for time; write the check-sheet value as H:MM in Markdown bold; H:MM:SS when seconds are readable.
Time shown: **9:20:04**
